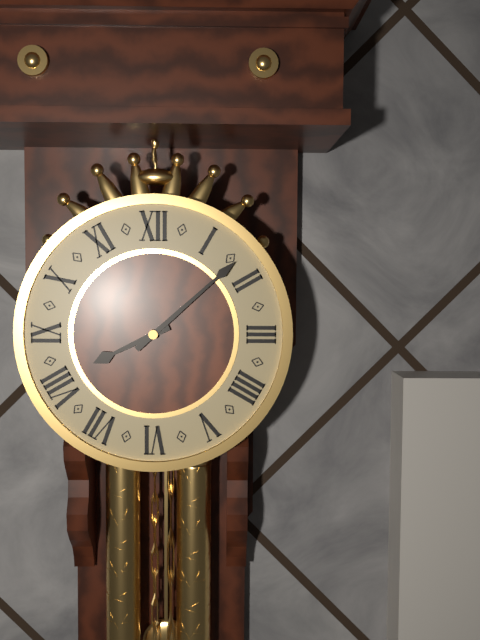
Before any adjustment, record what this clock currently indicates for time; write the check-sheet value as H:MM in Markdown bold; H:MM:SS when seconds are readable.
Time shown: **8:08**
